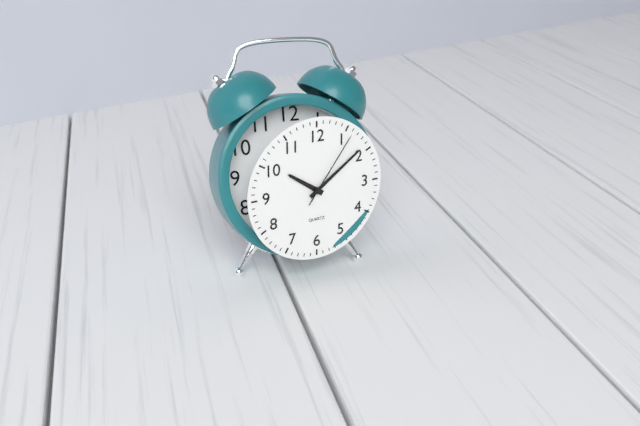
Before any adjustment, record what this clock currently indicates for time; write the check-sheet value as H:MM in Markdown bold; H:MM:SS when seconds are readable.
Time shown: **10:09:06**
